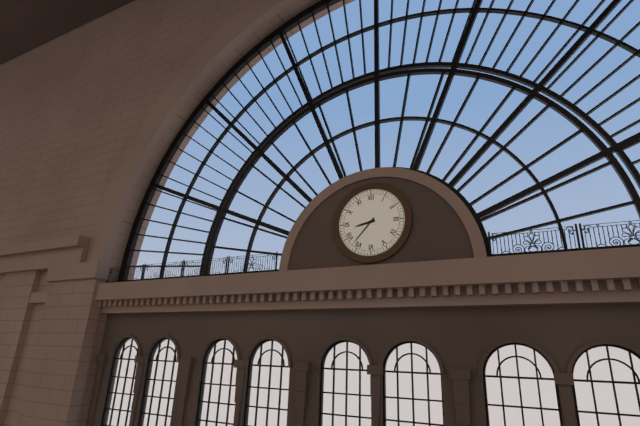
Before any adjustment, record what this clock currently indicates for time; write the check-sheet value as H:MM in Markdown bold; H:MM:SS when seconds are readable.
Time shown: **8:37**
